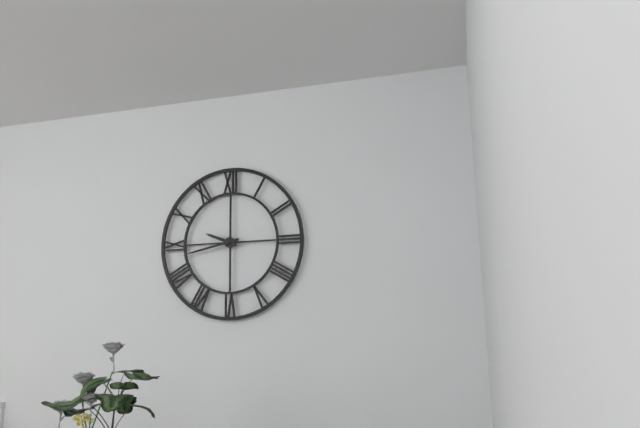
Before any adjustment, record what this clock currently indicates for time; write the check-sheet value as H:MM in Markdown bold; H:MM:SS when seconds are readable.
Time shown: **9:43**
